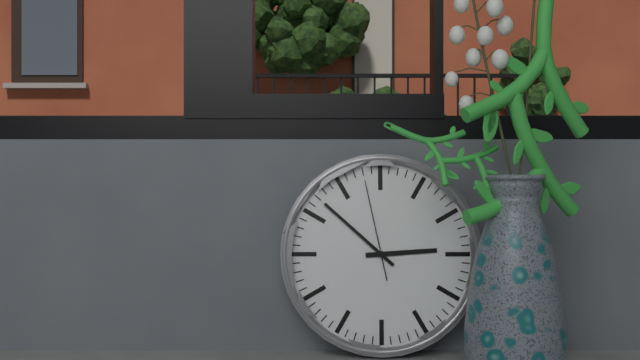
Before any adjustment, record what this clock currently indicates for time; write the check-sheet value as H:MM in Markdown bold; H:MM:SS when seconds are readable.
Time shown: **2:52:58**
